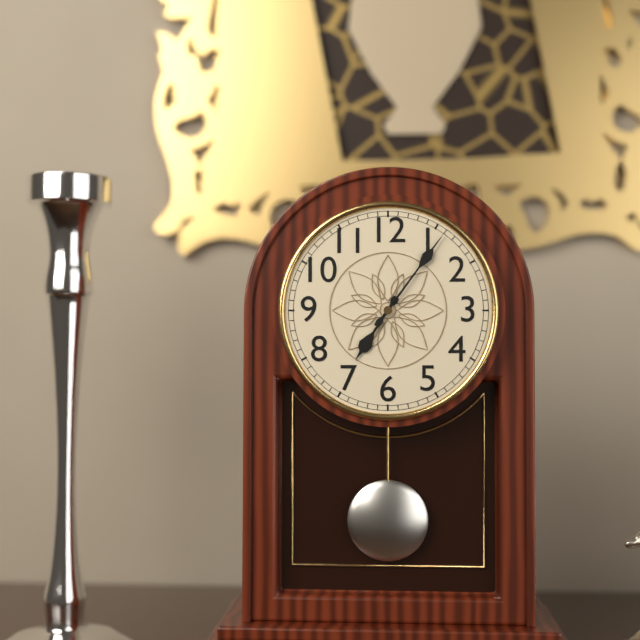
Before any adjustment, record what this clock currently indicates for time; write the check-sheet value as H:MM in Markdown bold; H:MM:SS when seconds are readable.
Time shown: **7:06**
